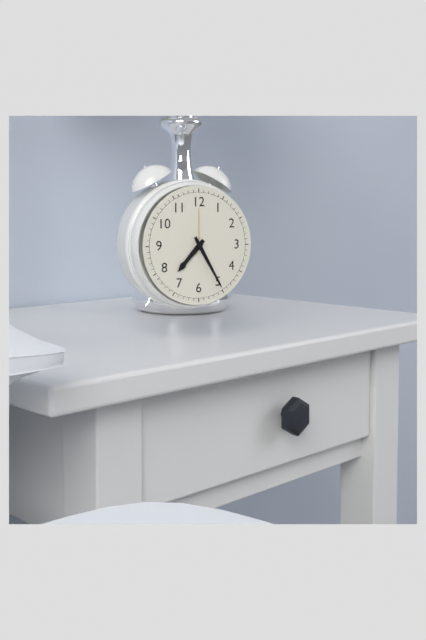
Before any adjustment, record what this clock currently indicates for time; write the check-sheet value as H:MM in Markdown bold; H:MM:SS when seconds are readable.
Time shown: **7:25**
